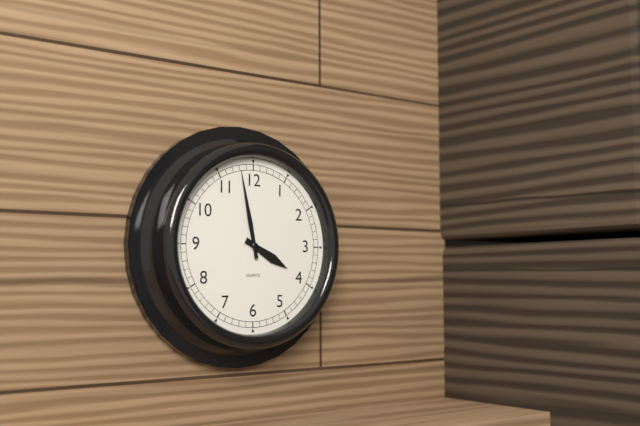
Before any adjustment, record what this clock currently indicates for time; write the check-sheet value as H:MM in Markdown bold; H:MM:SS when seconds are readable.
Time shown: **3:58**
